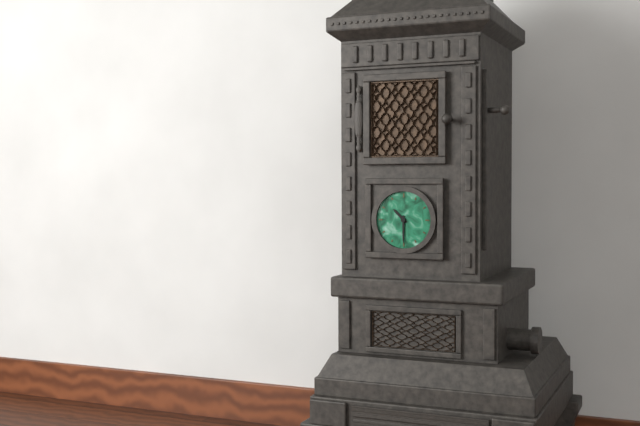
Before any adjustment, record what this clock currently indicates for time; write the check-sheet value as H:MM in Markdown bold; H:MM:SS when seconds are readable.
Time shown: **10:30**
